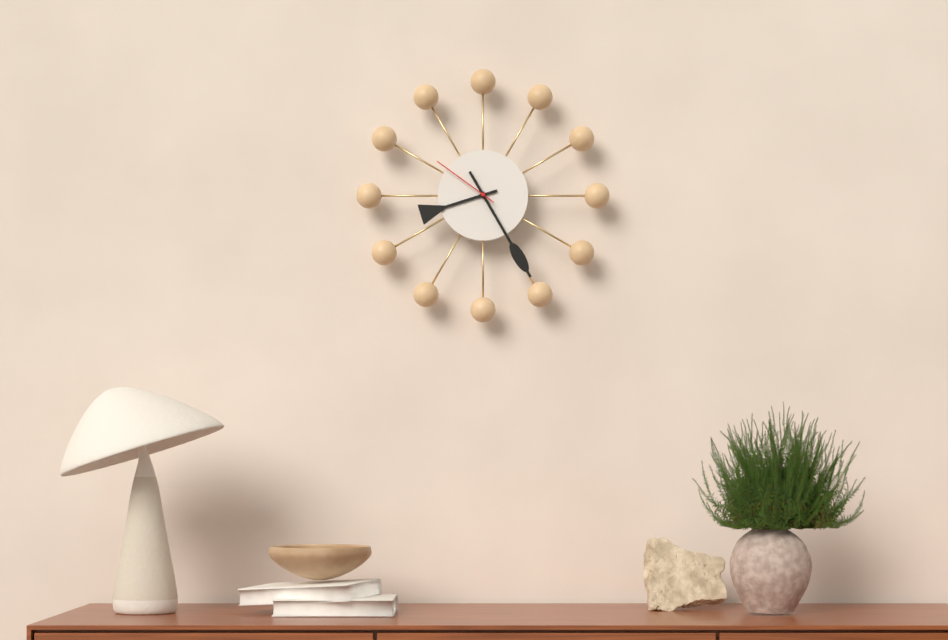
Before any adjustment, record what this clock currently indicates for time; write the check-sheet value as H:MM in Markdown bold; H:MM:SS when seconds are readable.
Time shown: **8:25:51**
